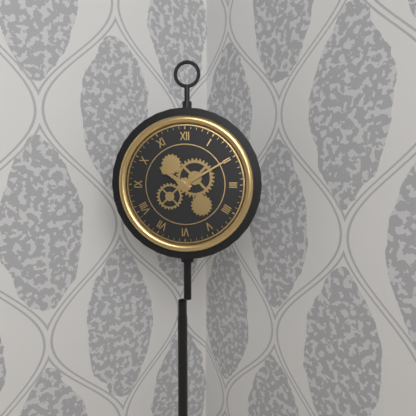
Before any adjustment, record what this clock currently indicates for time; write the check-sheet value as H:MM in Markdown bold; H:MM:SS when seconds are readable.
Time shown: **10:10**
